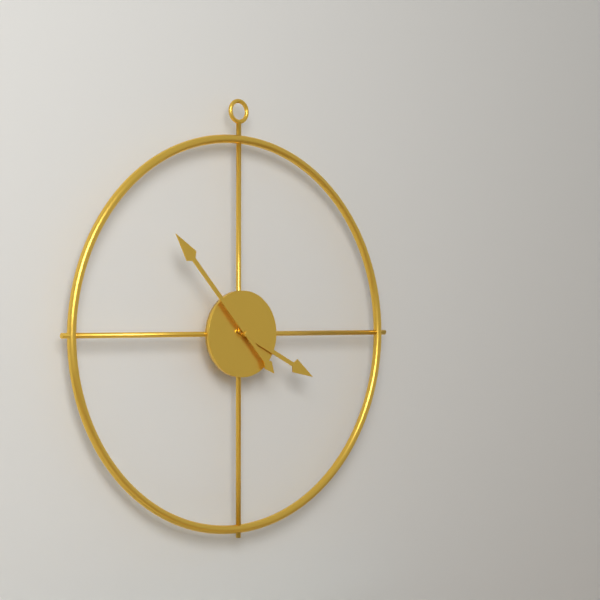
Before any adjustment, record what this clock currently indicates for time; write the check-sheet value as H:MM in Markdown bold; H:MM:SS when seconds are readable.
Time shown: **3:53**
